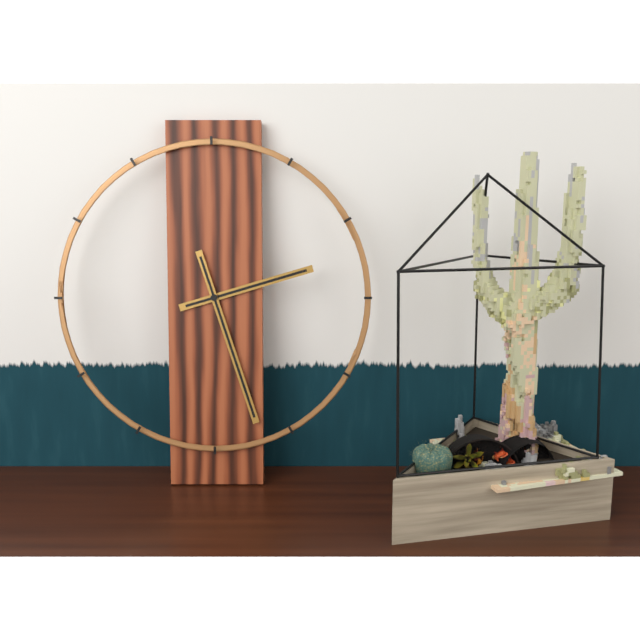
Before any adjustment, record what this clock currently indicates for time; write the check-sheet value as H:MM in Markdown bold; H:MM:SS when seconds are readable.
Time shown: **2:27**
